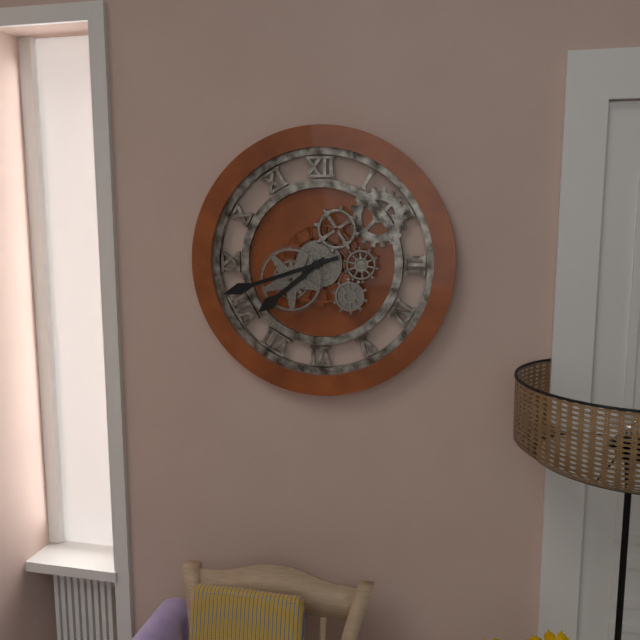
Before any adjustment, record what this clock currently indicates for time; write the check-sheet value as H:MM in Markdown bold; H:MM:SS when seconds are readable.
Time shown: **7:42**
